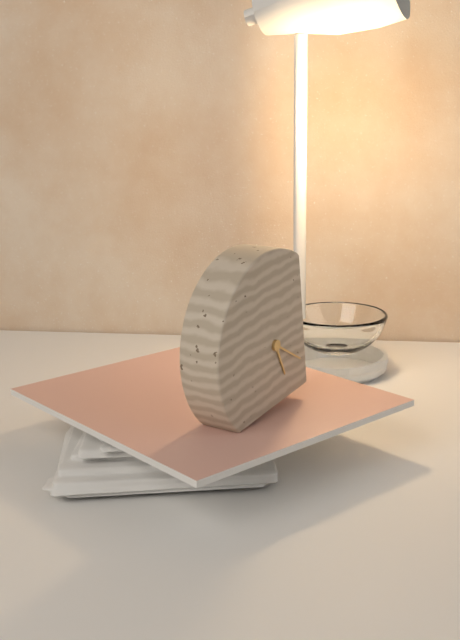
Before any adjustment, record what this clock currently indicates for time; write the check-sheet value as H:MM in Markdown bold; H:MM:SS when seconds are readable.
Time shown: **5:21**
